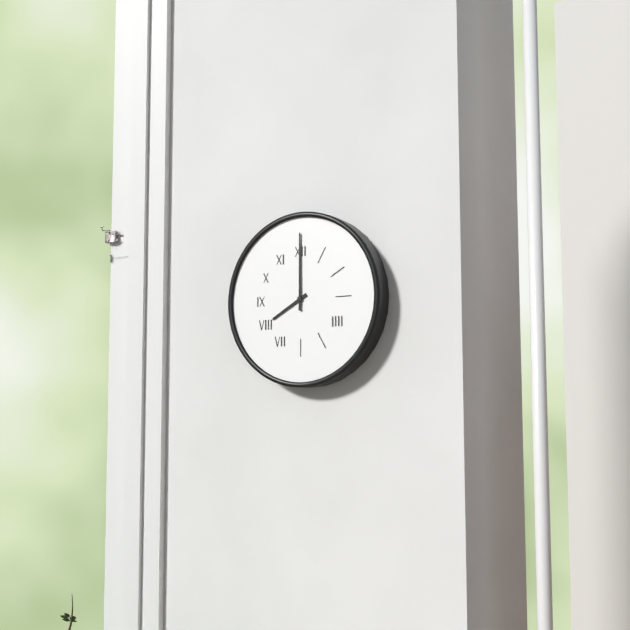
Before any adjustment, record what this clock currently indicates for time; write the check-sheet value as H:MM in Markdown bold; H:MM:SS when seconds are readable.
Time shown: **8:00**
